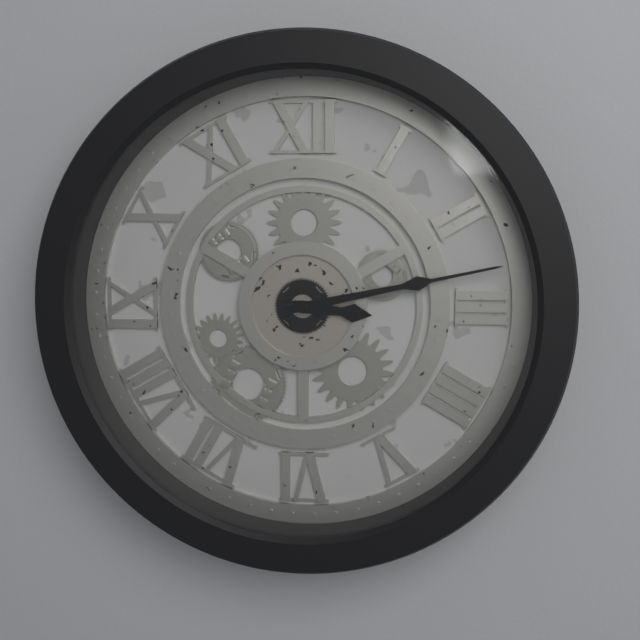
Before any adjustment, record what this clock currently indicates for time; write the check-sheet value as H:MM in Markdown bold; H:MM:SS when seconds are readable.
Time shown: **3:13**
